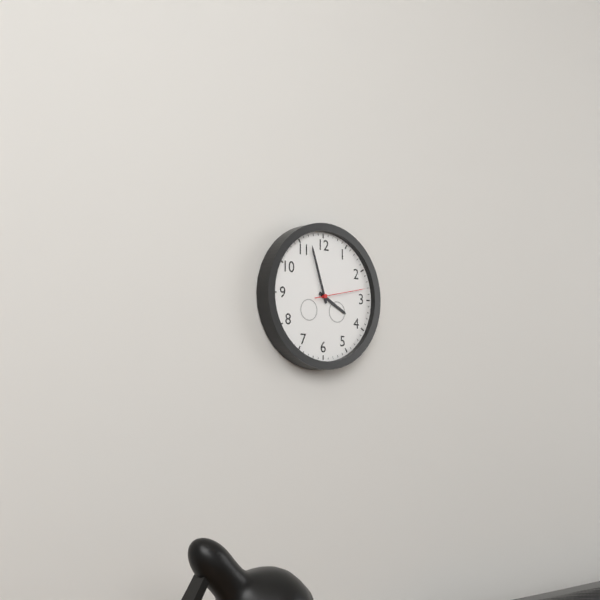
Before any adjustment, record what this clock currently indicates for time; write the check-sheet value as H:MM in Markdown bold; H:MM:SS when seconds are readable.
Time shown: **3:57:13**
